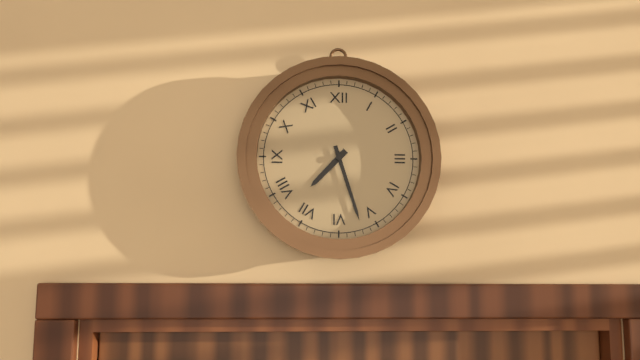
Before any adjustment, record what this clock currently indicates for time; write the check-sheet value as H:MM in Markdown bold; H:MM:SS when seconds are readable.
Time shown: **7:27**
